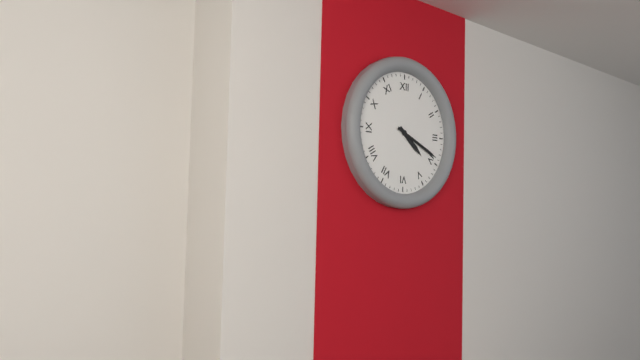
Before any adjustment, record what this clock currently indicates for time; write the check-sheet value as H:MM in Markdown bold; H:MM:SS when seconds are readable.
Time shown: **4:19**
